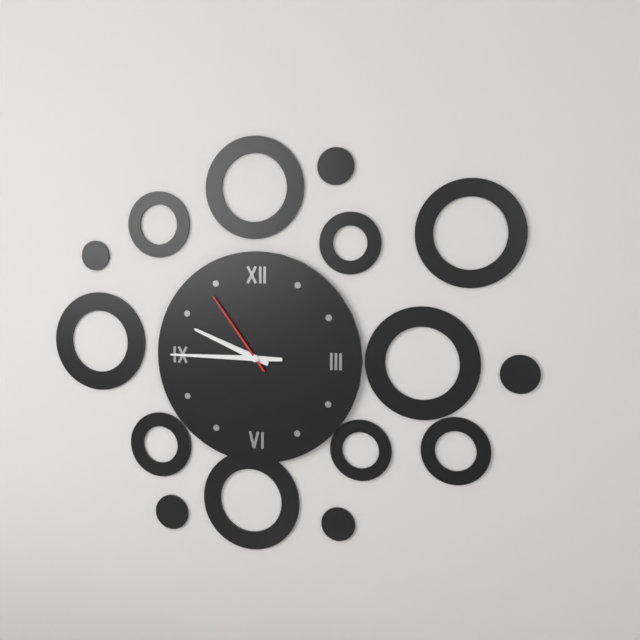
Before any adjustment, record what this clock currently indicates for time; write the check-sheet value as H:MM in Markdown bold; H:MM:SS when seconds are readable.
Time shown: **9:45:54**
